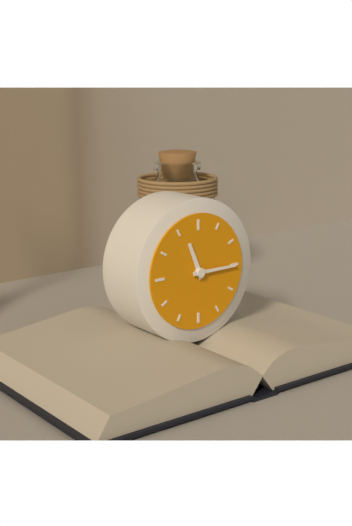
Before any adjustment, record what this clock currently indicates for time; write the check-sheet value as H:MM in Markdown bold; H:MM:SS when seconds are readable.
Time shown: **11:15**
